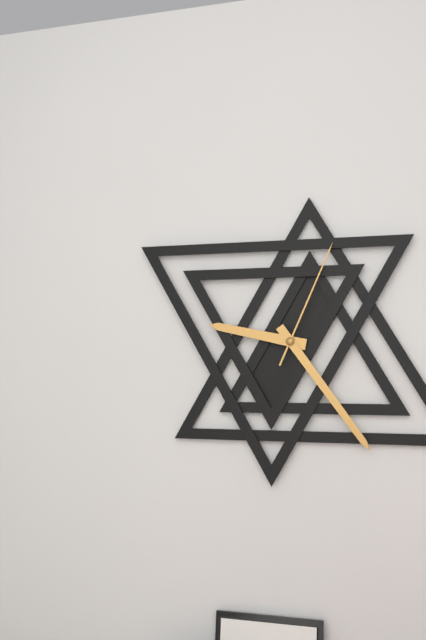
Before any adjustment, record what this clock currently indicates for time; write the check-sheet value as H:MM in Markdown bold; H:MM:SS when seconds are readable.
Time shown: **9:24:04**
